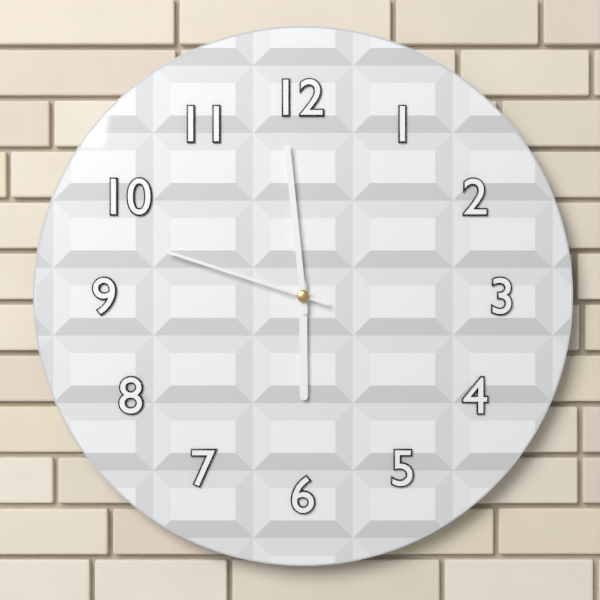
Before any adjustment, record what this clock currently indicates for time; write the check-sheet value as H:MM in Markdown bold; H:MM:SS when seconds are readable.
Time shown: **5:59:48**
